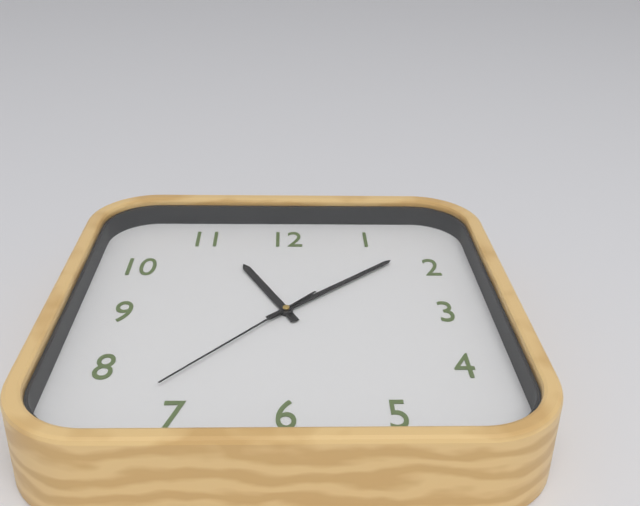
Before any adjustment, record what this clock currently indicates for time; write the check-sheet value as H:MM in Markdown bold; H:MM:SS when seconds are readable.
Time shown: **11:08:37**
